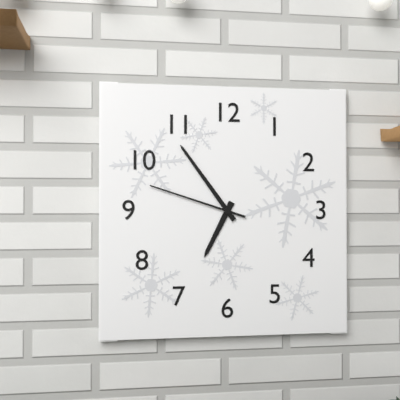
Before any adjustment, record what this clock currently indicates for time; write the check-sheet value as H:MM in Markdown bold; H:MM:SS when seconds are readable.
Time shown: **6:54:48**
